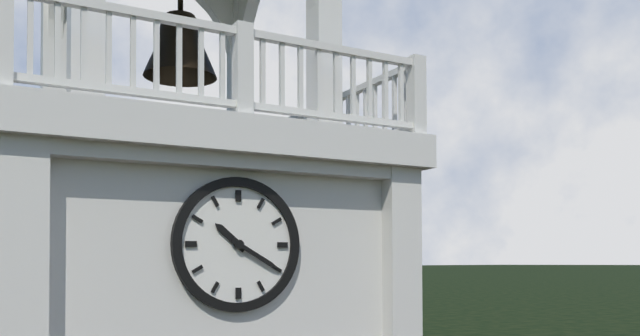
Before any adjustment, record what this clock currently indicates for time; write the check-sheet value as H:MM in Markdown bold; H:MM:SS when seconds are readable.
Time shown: **10:20**
